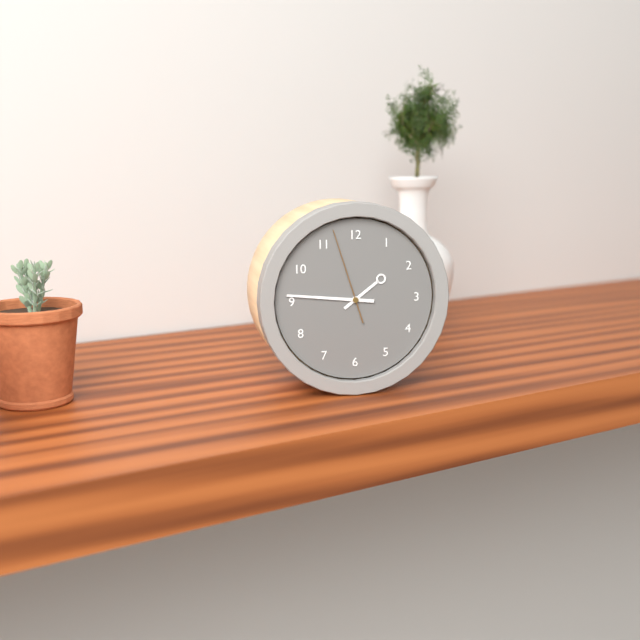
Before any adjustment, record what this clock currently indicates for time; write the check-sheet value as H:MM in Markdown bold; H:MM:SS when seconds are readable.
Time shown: **1:46:57**
